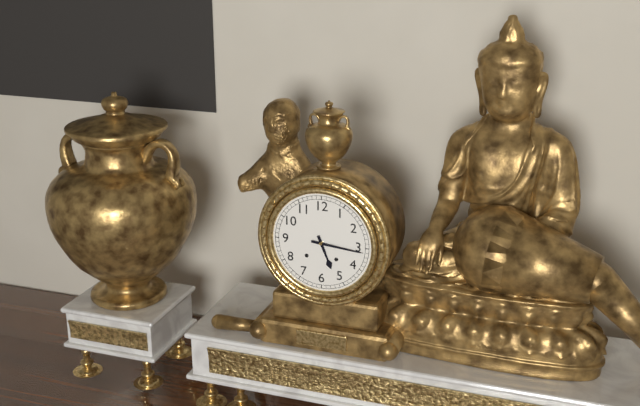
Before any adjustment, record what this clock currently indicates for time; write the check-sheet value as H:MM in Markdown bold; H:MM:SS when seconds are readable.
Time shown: **5:16**
